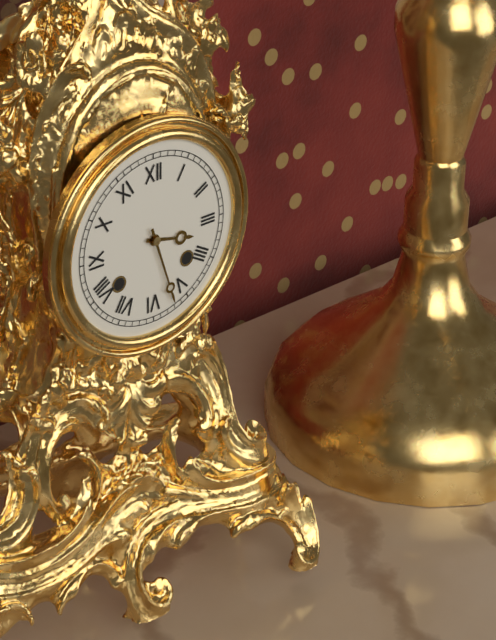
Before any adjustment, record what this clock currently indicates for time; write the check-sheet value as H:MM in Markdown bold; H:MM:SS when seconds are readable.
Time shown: **3:27**
